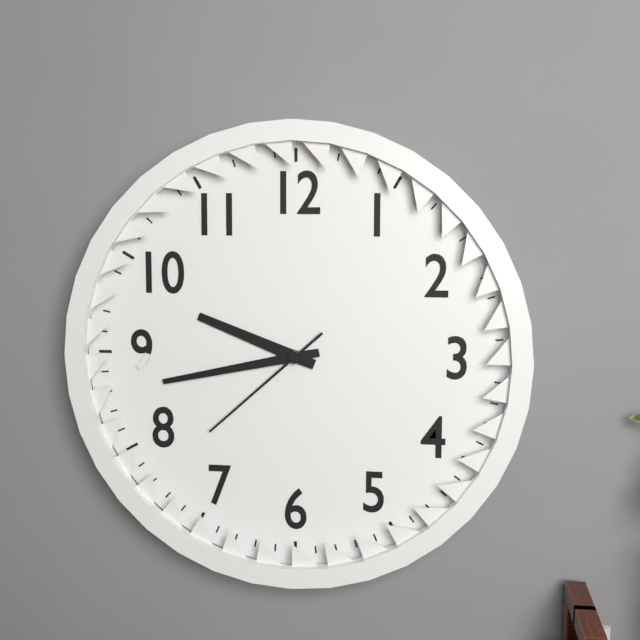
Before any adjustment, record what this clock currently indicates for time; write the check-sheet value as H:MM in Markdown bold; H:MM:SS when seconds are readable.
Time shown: **9:43:38**
